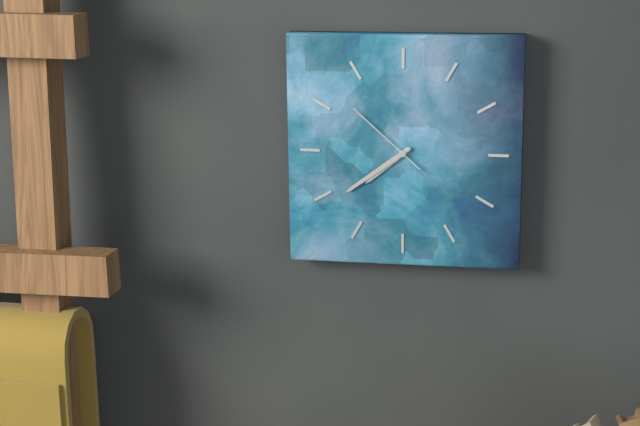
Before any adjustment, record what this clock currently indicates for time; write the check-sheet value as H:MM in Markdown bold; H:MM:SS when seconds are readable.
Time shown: **7:39:52**
